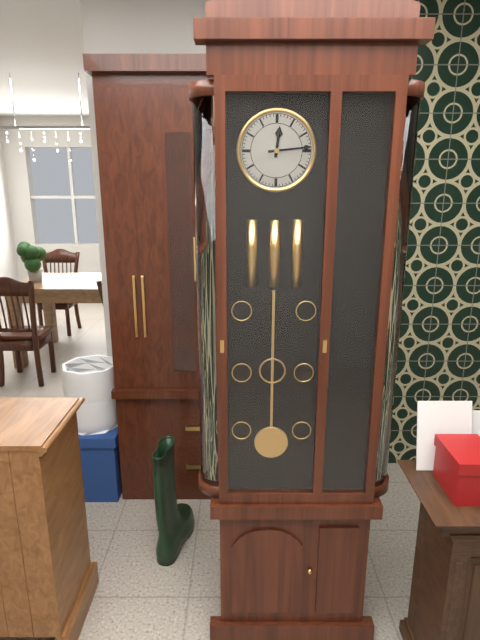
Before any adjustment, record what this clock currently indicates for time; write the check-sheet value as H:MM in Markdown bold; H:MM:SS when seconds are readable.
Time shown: **12:14**
